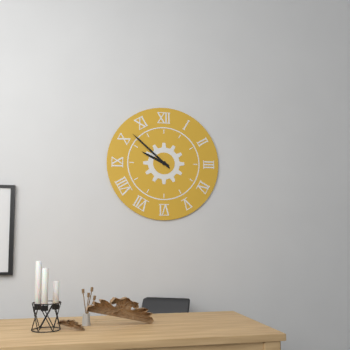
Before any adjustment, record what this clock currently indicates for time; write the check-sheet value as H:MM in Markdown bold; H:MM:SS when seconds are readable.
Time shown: **9:52**
